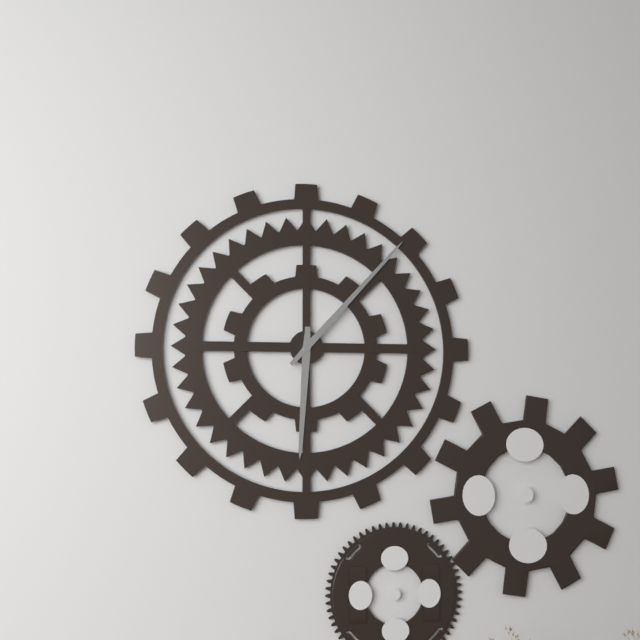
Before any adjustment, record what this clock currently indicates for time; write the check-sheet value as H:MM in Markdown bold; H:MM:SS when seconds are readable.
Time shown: **6:07**
